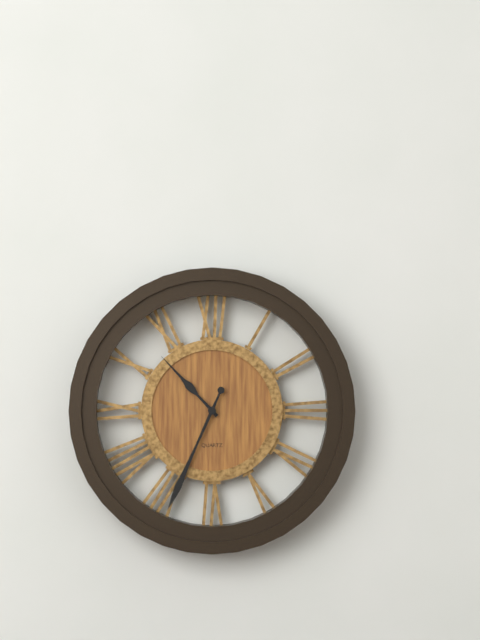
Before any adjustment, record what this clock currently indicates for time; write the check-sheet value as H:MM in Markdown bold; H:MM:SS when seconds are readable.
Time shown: **10:34**
